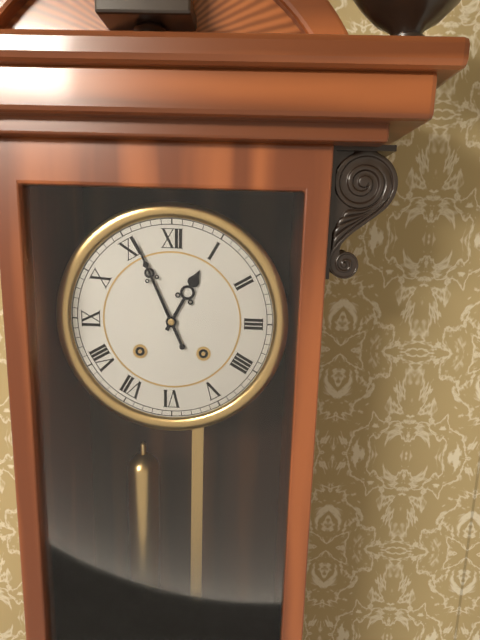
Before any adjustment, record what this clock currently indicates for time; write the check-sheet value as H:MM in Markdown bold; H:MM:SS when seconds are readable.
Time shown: **12:56**
